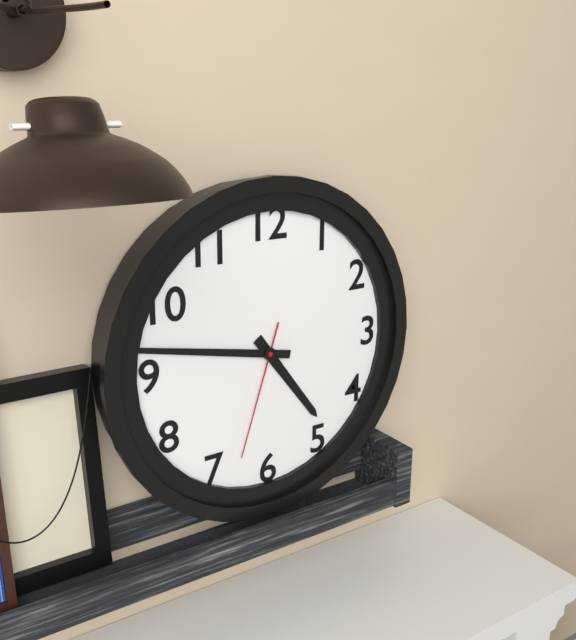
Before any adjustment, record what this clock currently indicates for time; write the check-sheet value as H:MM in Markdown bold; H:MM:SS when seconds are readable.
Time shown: **4:47:33**
